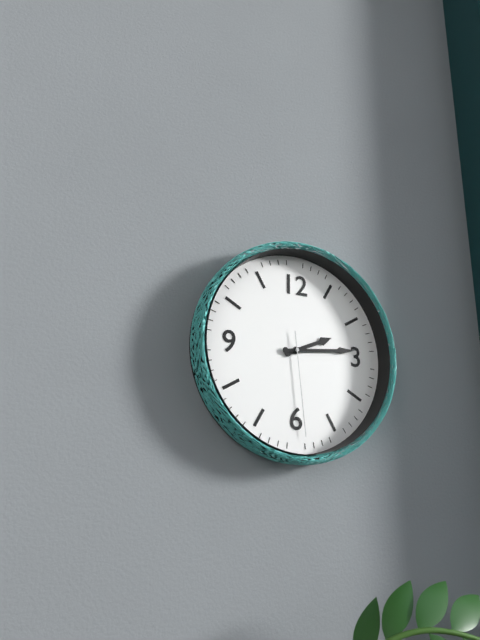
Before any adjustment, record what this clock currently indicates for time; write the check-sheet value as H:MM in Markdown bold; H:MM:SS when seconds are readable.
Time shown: **2:14:29**
